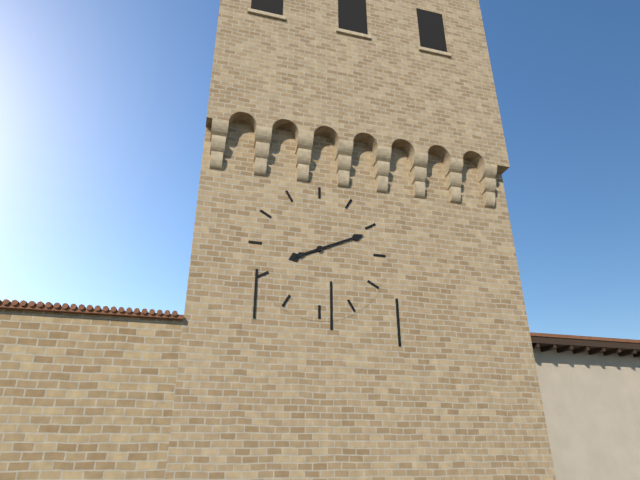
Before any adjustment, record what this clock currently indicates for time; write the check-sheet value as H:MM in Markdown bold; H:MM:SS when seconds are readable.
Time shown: **8:11**
